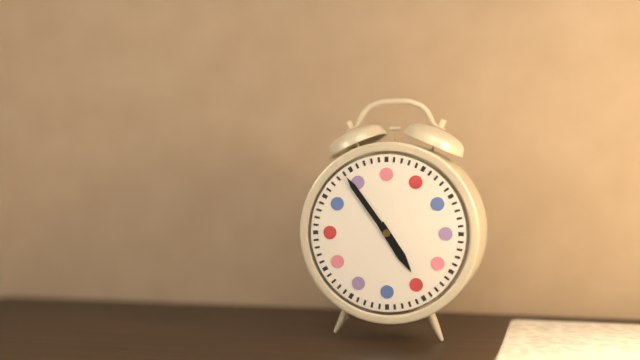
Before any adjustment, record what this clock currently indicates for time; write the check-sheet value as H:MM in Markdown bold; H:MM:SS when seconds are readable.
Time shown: **4:54**
